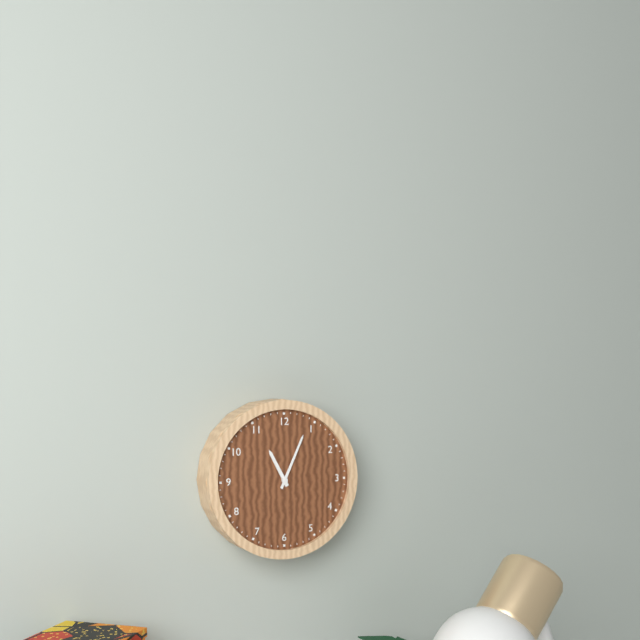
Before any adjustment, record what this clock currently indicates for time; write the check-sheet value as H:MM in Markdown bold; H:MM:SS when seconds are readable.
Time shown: **11:04**
